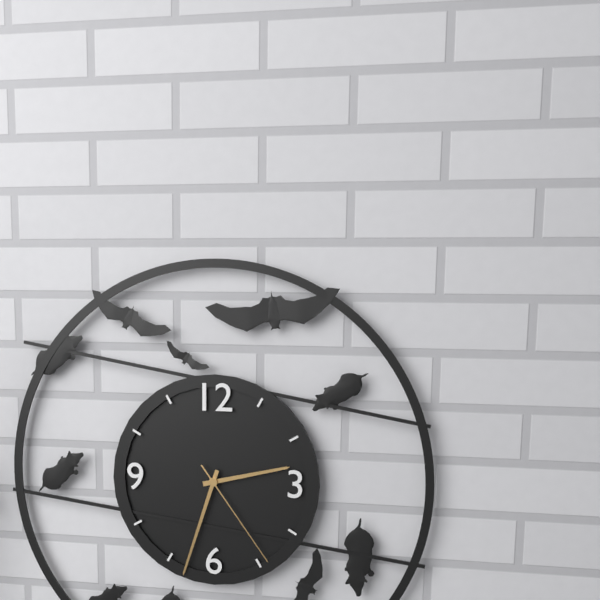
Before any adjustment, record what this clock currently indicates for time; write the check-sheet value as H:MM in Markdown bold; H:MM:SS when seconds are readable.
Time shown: **2:33:24**
